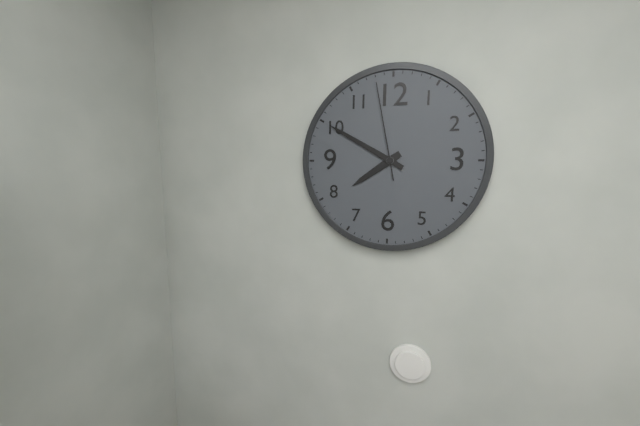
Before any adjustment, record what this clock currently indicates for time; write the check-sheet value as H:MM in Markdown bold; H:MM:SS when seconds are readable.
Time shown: **7:50:58**
